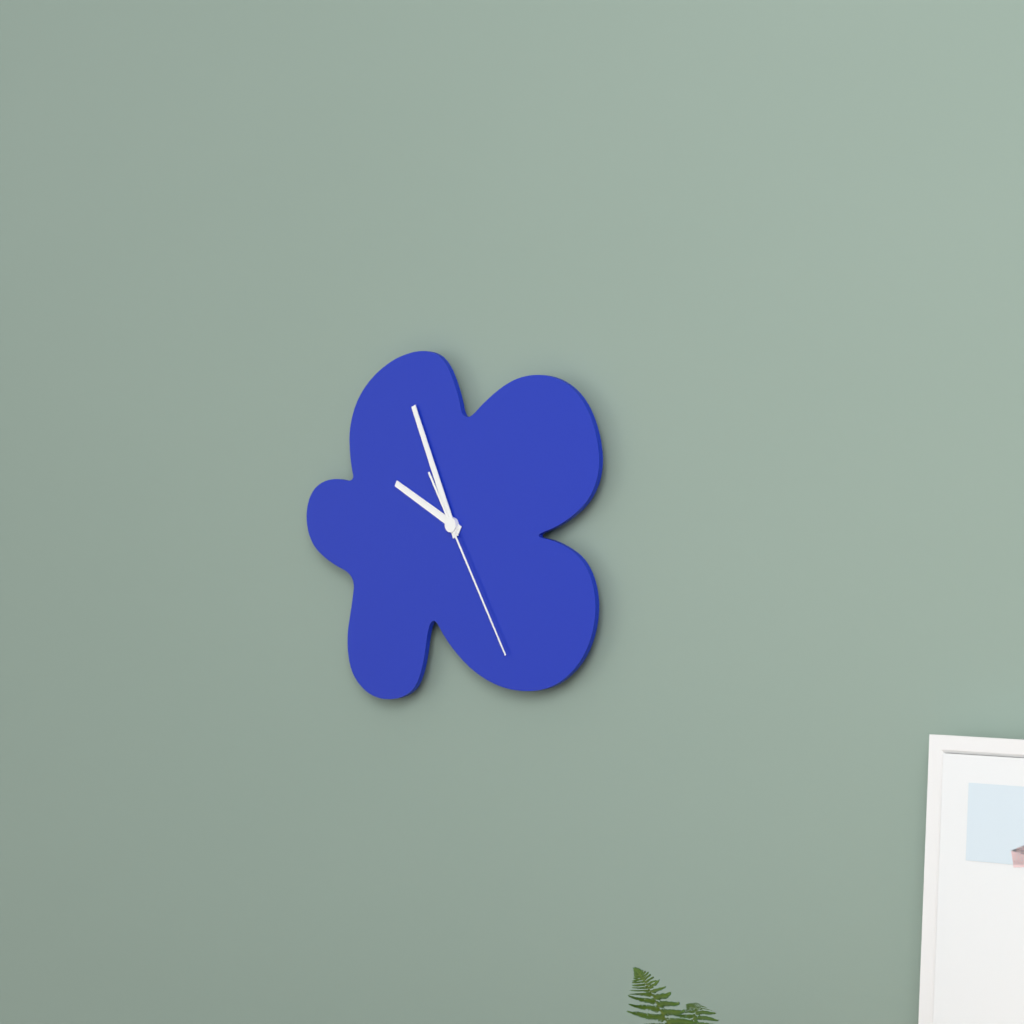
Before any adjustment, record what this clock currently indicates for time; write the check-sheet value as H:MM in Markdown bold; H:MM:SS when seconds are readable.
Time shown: **9:56:25**
